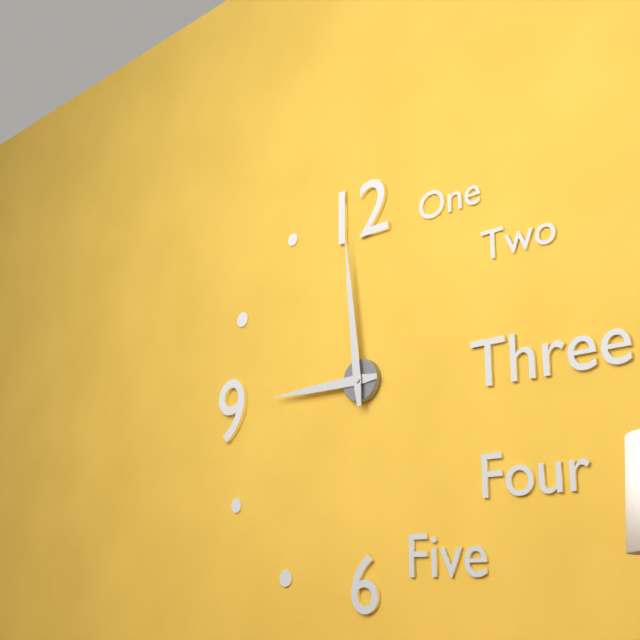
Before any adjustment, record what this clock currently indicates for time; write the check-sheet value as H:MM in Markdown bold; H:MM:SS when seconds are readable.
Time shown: **8:59**
